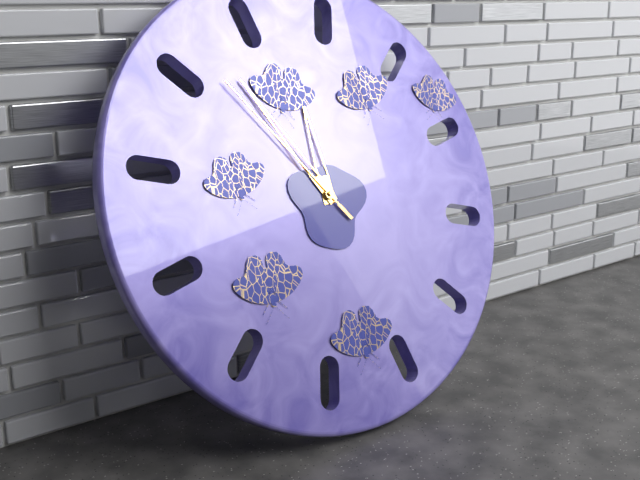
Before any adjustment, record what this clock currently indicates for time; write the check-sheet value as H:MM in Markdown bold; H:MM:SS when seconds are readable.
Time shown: **11:55:54**
